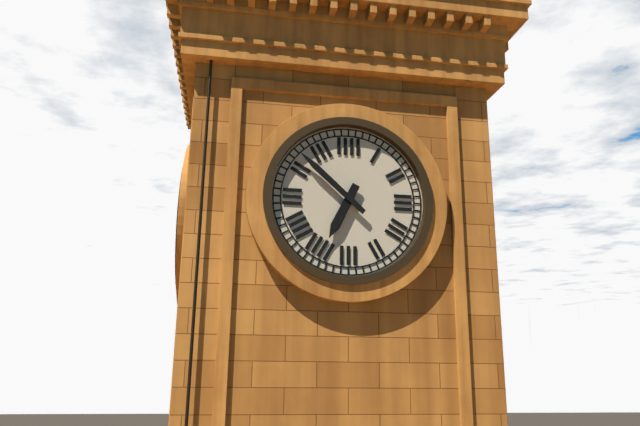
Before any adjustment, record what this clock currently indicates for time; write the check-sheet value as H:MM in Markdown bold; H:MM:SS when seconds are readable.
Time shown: **6:52**
